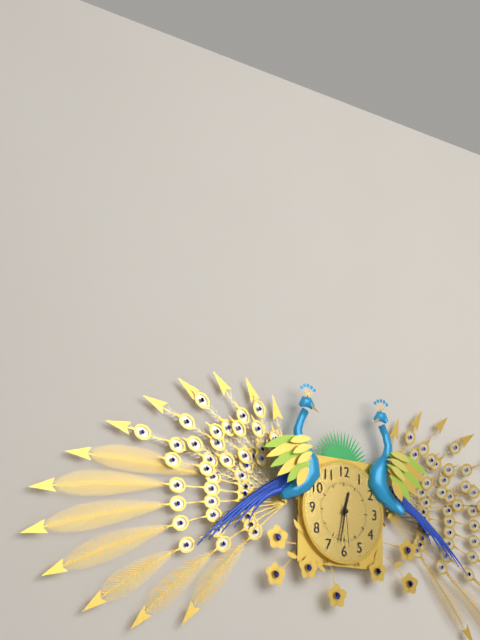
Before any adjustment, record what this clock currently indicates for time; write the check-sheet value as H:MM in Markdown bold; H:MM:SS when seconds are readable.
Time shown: **12:32**
